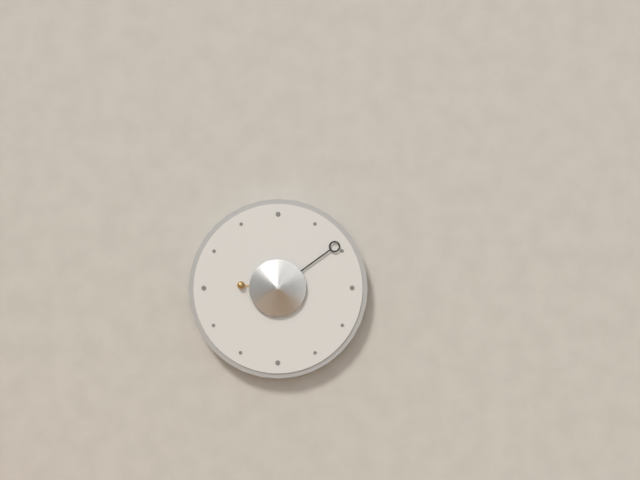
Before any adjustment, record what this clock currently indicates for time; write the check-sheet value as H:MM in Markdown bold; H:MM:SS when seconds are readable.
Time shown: **9:09**
